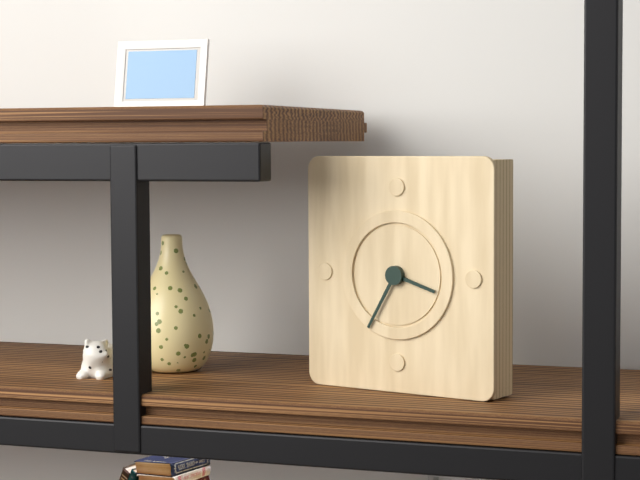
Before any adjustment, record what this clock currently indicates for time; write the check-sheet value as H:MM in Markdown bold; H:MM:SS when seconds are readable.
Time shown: **3:35**
